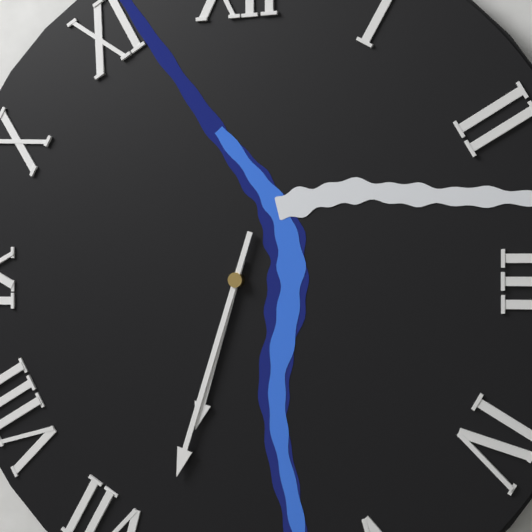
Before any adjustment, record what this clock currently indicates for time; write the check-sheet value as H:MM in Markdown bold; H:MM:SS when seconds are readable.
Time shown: **6:33**
